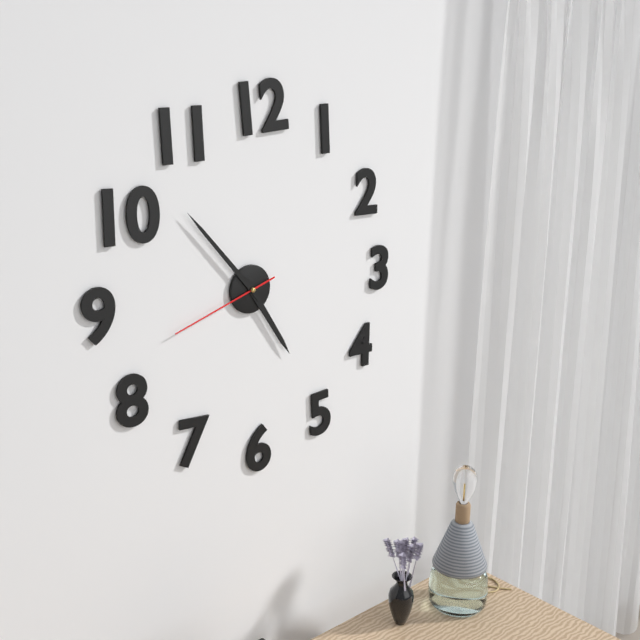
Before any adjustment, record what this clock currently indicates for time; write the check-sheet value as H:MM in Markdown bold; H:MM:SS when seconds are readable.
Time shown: **4:53:42**
